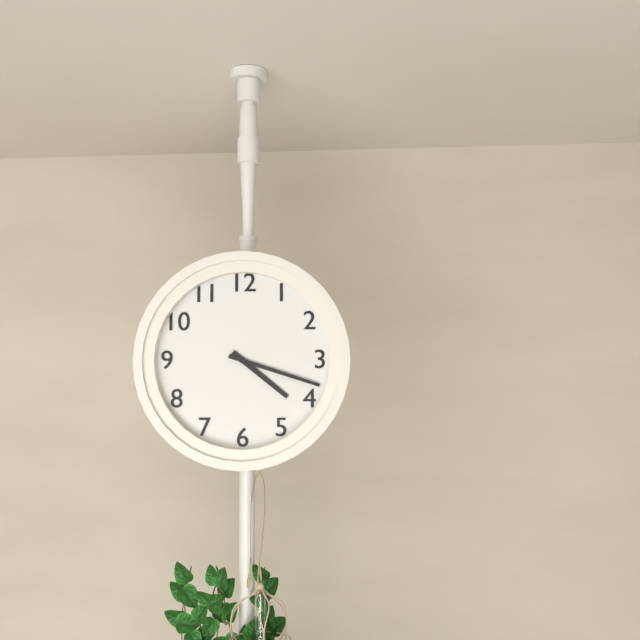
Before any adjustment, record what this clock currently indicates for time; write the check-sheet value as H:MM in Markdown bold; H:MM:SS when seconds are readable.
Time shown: **4:18**
